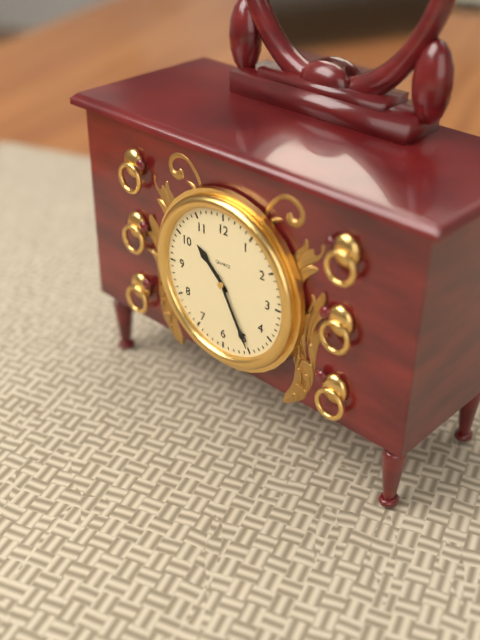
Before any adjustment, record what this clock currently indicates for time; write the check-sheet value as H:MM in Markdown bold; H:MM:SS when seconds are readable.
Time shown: **10:25**
